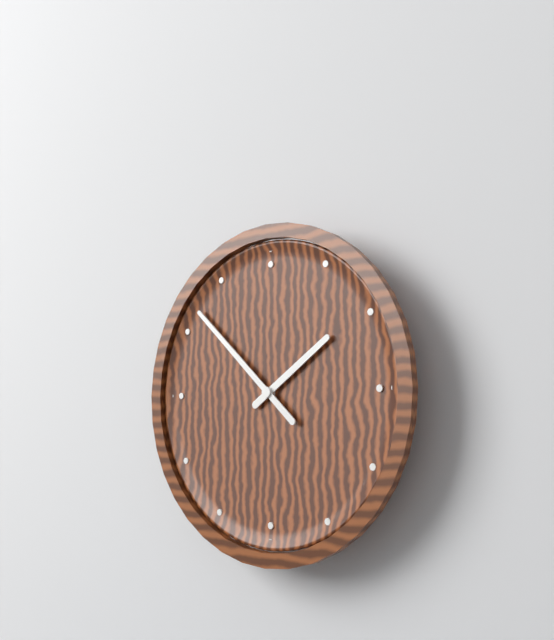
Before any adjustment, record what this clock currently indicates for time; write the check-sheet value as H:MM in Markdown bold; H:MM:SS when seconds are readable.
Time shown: **1:52**
